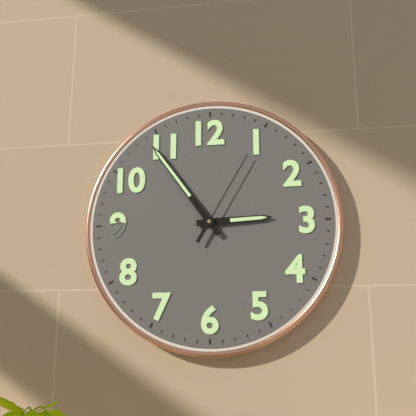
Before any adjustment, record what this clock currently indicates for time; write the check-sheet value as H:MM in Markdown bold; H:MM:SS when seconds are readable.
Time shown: **2:54:05**
